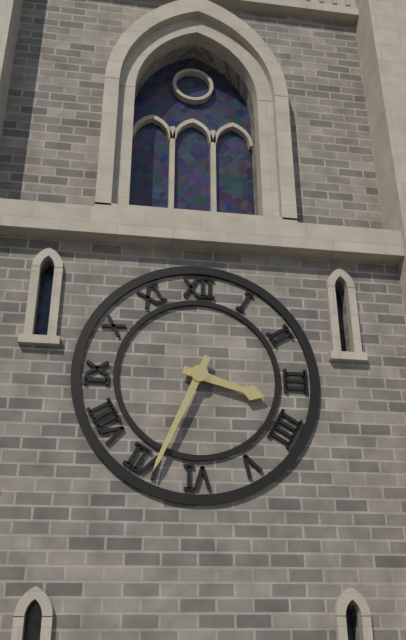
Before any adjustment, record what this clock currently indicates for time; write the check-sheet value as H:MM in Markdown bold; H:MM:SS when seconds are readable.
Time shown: **3:34**
